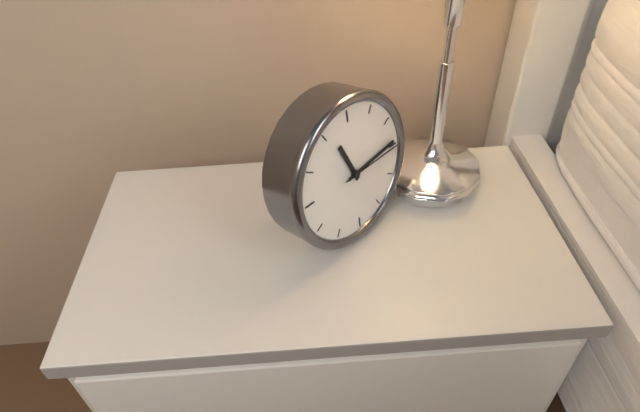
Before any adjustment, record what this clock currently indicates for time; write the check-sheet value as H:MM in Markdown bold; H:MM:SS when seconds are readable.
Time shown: **11:14:15**
